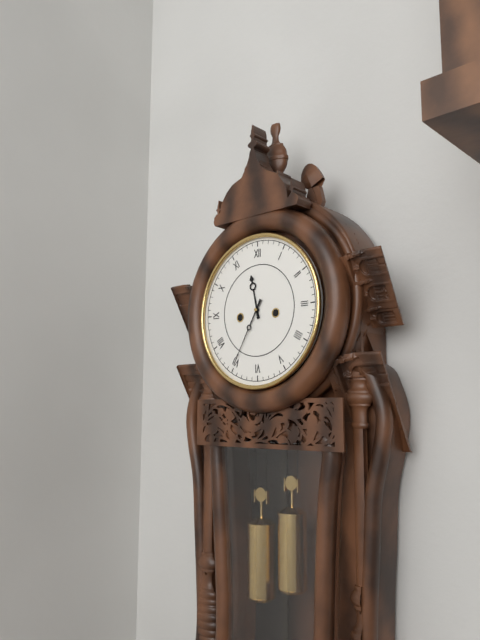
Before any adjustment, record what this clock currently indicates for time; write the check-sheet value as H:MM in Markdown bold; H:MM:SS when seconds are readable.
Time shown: **11:35**
